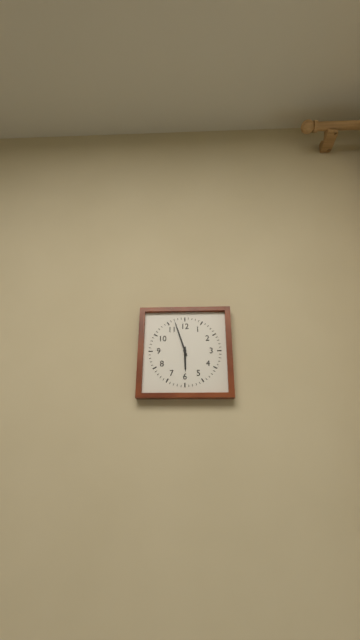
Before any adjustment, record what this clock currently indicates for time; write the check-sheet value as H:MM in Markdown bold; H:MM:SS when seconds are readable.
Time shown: **5:57**
